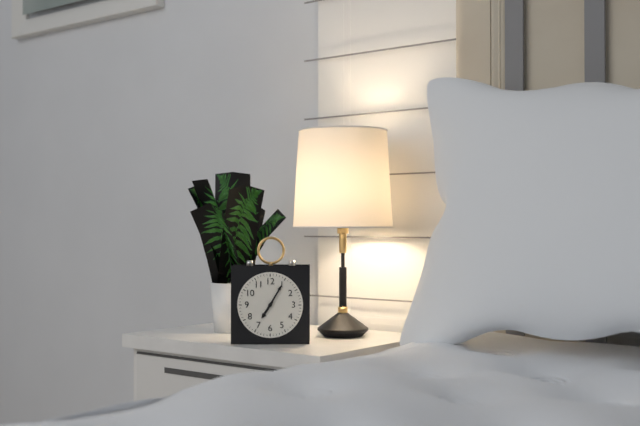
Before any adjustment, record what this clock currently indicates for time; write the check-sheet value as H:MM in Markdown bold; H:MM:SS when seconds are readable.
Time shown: **7:05**
